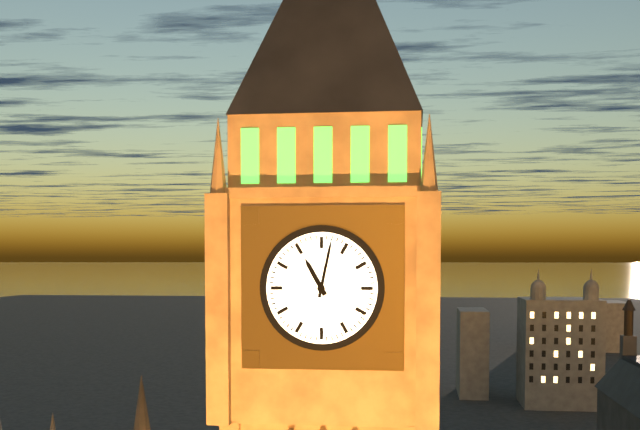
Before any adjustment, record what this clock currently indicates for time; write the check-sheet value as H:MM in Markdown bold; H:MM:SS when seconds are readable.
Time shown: **11:02**
